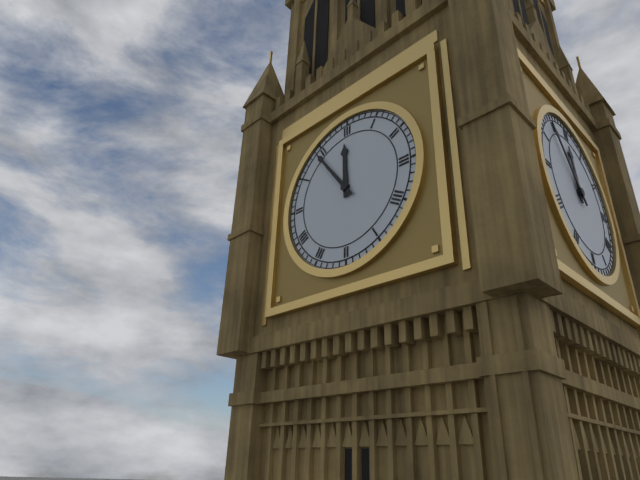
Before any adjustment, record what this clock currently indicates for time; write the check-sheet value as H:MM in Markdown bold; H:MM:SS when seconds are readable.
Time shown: **11:54**
